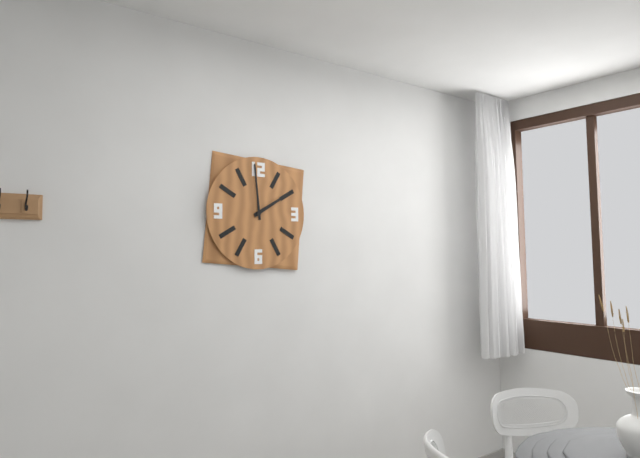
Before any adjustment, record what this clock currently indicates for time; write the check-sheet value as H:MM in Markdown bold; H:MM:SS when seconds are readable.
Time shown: **1:59**
